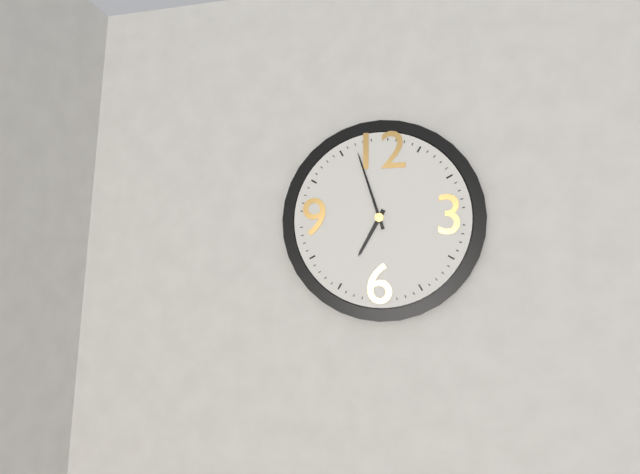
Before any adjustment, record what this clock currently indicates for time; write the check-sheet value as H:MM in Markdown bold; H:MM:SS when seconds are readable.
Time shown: **6:57**
